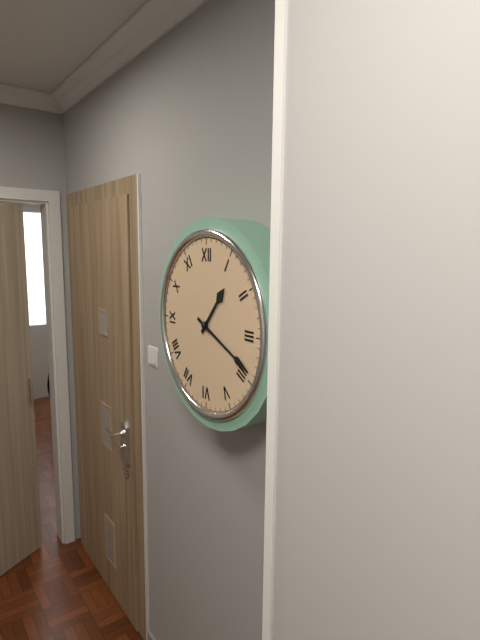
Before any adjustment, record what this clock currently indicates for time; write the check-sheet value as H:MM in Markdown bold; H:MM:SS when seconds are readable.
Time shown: **1:19**
